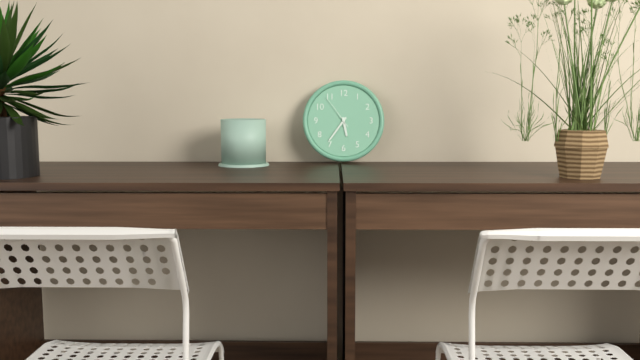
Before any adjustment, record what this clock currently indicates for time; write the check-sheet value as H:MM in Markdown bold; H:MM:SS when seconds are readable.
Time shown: **5:36**
